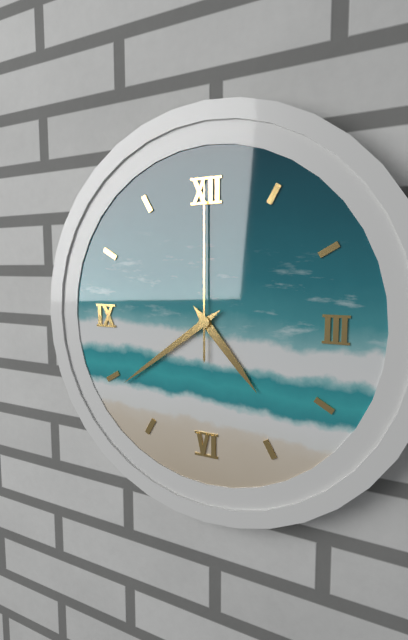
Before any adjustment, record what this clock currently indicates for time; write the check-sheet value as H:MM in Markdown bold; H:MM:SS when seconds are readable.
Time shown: **4:39:00**
